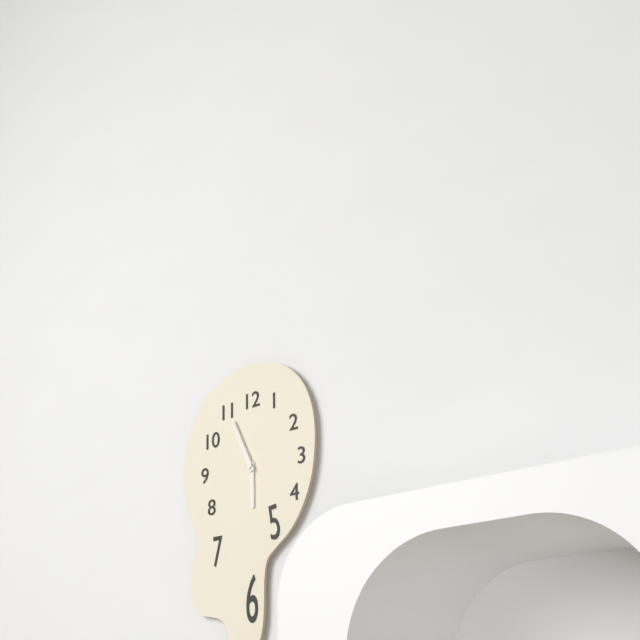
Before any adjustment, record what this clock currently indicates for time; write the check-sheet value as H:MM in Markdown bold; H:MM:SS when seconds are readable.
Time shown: **5:56**
